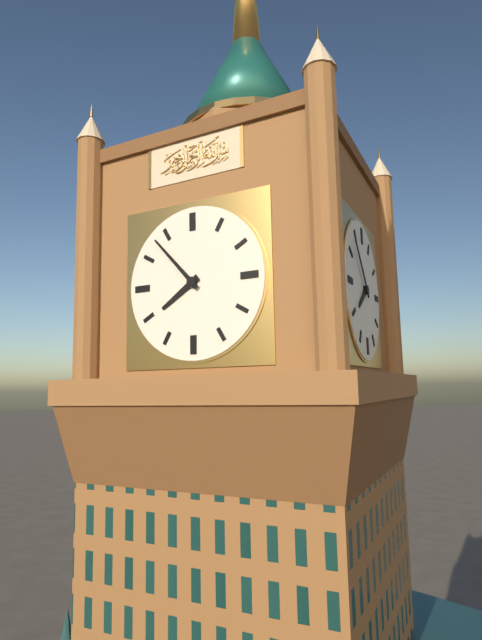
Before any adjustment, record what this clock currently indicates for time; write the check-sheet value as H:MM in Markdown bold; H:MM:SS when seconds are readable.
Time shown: **7:53**
